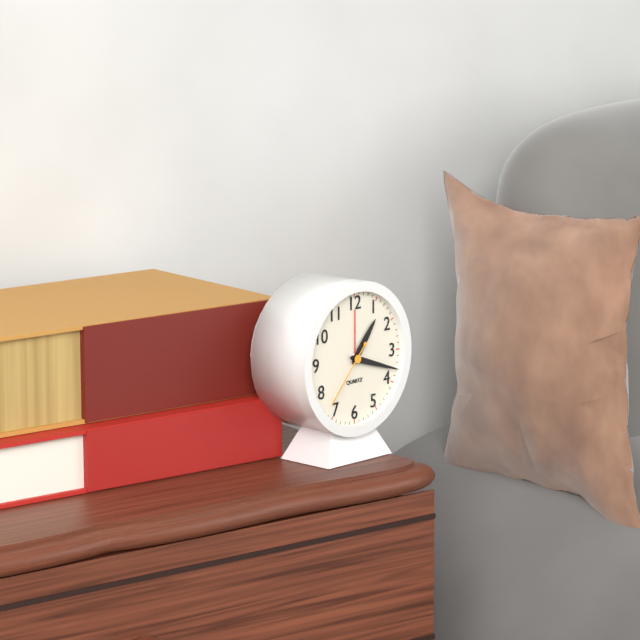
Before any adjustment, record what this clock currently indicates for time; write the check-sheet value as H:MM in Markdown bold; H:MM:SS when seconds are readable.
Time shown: **1:18:37**
